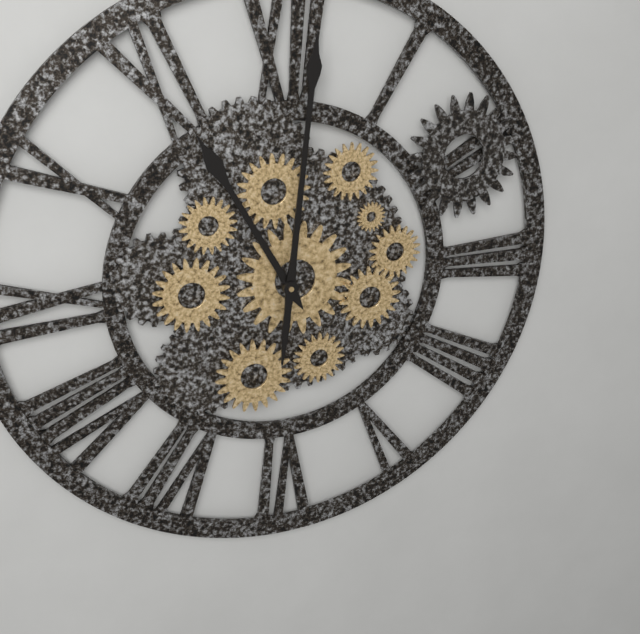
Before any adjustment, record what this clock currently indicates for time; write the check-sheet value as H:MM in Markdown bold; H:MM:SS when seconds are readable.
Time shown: **11:01**
